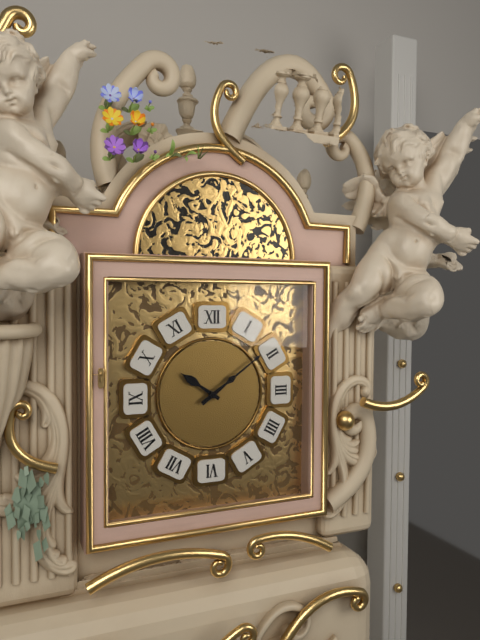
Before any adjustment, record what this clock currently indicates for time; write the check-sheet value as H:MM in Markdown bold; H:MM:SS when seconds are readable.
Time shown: **10:09**
